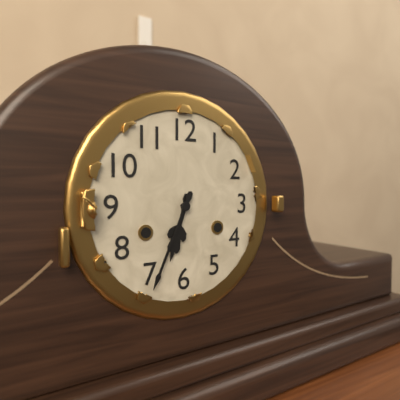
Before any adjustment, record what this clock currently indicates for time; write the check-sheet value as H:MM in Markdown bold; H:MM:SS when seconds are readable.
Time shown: **6:34**
